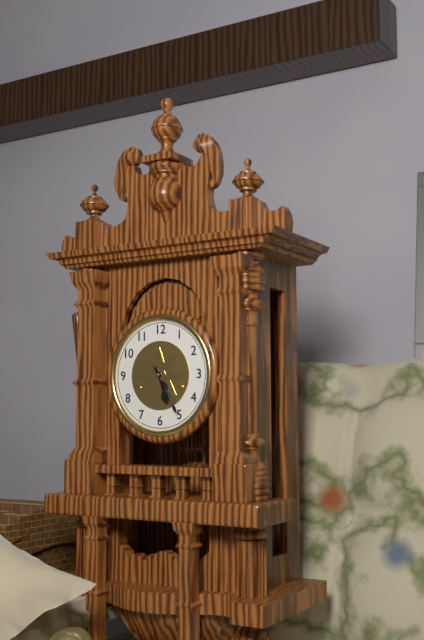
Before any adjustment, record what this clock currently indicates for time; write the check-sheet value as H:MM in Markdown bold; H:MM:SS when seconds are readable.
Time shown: **5:25**
